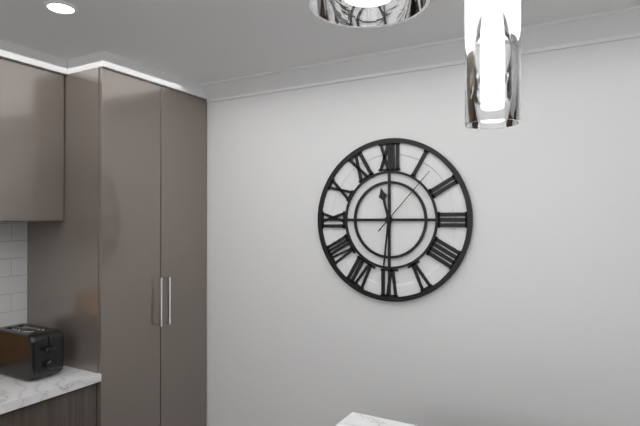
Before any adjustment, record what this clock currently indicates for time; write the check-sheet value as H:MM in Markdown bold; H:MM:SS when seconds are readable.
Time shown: **11:31:07**
